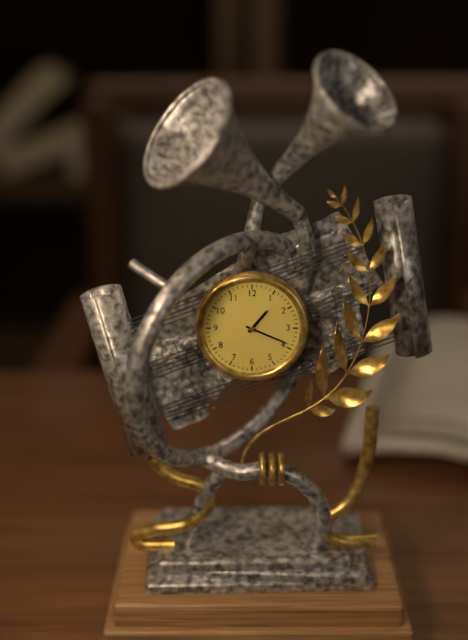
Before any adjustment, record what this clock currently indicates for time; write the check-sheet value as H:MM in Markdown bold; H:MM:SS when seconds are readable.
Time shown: **1:19**
